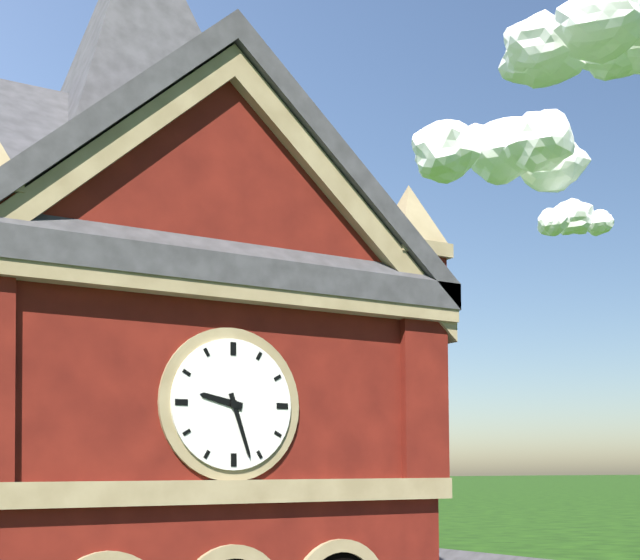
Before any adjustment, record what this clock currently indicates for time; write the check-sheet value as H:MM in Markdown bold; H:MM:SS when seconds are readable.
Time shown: **9:27**
